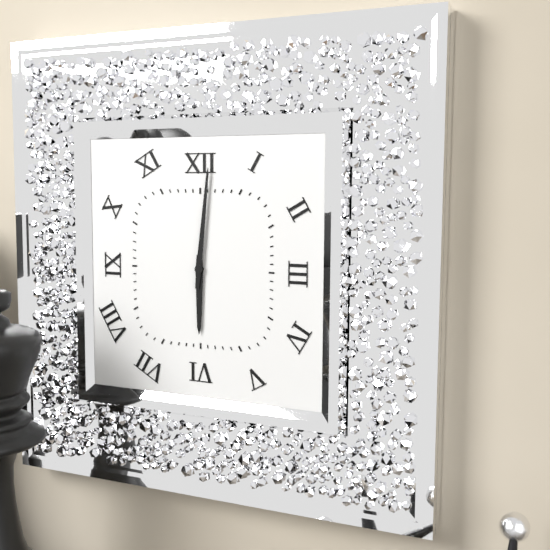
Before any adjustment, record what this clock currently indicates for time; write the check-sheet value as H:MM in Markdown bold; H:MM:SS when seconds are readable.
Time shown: **6:01**
